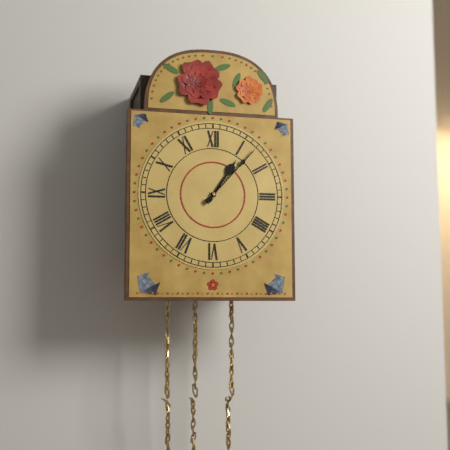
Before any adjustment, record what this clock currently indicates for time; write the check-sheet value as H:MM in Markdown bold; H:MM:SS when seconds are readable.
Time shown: **1:07**
